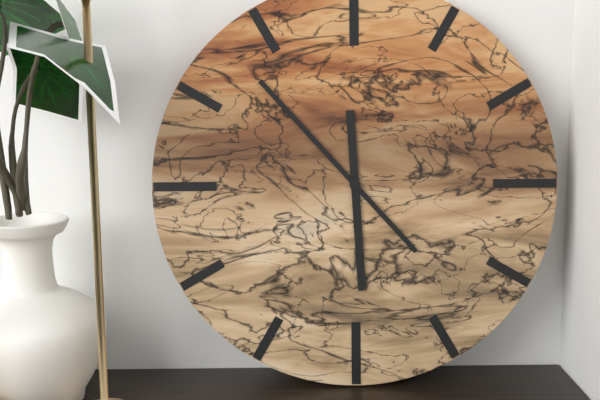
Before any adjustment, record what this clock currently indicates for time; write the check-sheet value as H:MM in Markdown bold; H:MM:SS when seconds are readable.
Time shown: **5:53**
